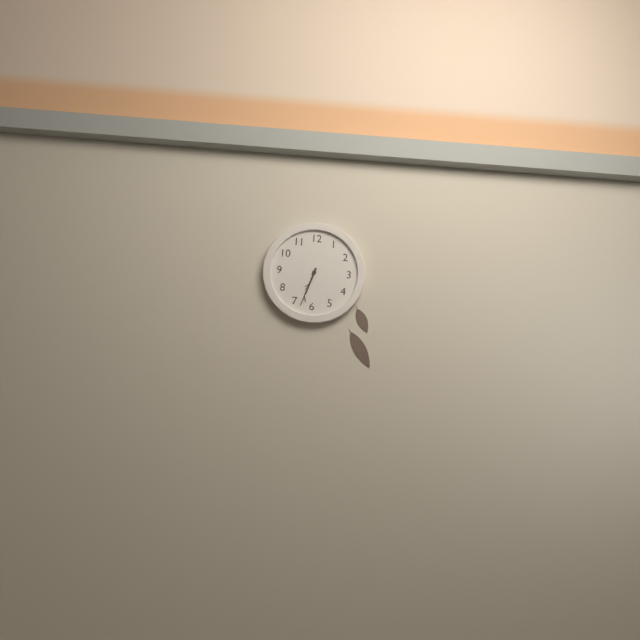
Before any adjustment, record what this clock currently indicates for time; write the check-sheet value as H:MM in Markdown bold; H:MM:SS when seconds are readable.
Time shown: **6:33**
